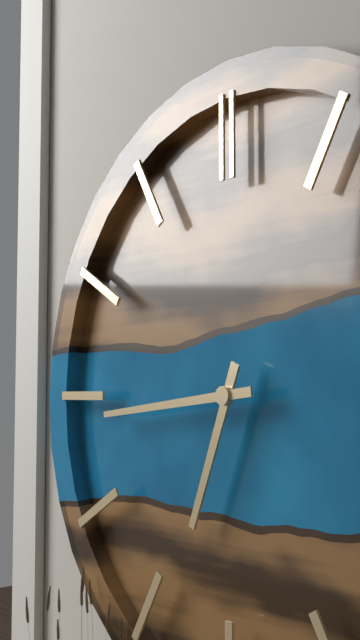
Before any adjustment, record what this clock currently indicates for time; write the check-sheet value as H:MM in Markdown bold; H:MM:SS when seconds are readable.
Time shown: **6:44**
